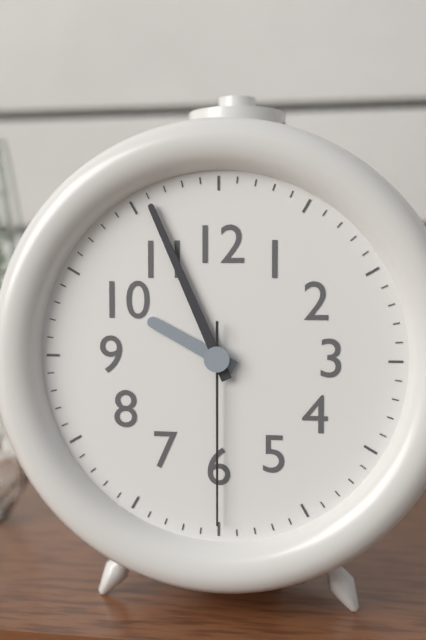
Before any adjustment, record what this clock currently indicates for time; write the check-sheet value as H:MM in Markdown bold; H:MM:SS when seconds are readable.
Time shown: **9:56:30**
